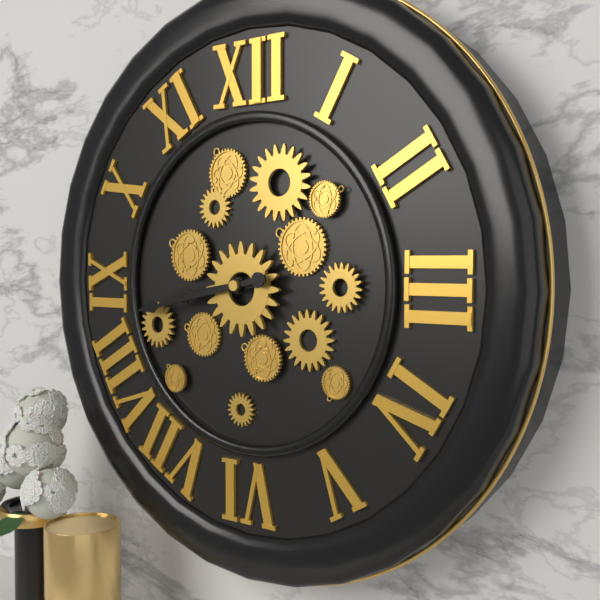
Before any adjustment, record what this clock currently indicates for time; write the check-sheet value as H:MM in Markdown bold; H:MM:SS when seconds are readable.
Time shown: **8:43**
